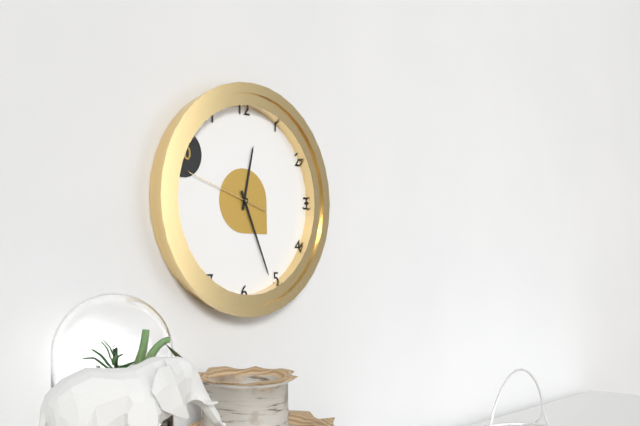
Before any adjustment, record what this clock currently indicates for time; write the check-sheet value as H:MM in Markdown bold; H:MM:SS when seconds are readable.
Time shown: **12:26:48**
